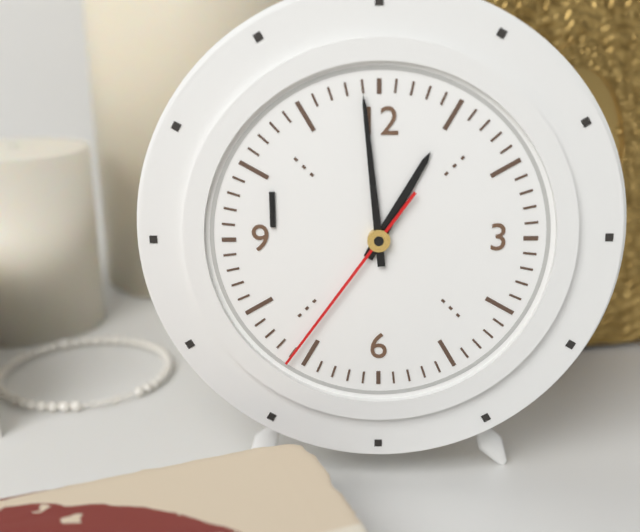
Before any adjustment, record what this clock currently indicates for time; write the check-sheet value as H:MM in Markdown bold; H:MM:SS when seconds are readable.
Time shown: **12:59:36**
